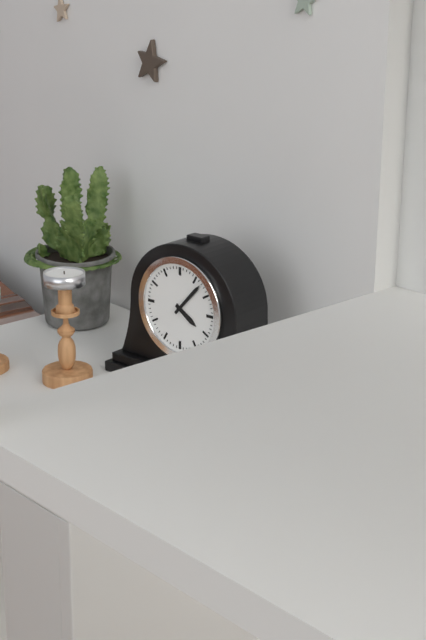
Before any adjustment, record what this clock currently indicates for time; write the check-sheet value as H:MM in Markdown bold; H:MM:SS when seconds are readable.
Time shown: **4:07**
